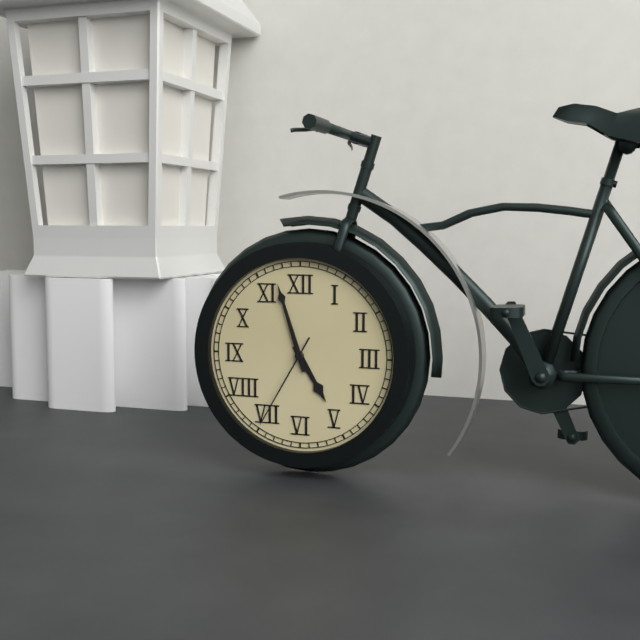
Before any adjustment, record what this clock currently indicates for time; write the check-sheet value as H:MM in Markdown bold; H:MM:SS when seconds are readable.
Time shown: **4:57:35**
